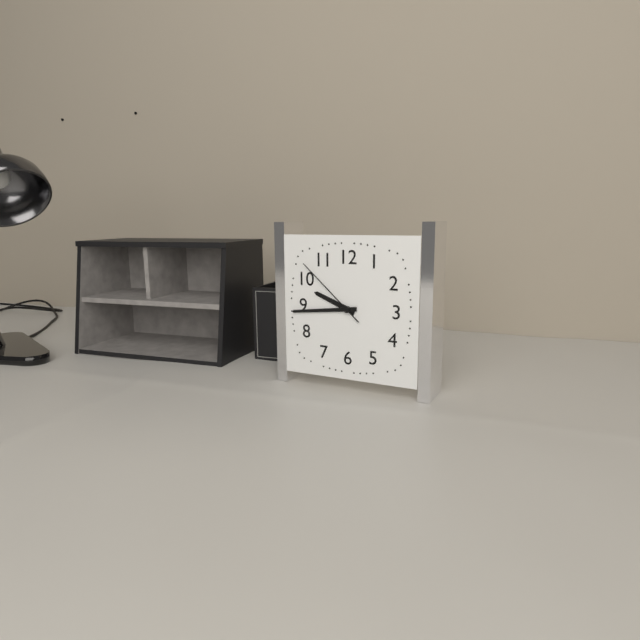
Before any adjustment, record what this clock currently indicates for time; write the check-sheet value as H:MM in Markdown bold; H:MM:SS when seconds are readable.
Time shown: **9:44:52**
